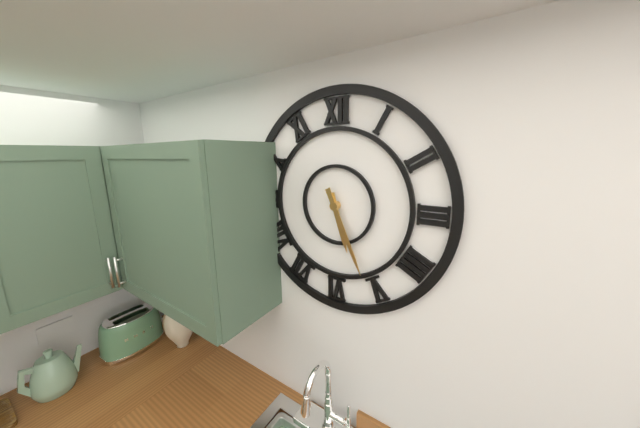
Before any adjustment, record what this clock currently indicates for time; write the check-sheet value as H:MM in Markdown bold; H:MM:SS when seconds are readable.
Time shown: **5:26**
